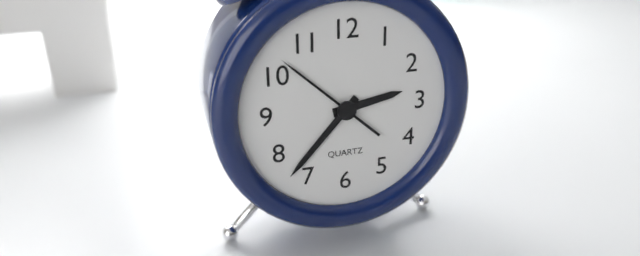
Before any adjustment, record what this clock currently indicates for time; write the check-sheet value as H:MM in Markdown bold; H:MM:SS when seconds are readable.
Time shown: **2:37:52**
